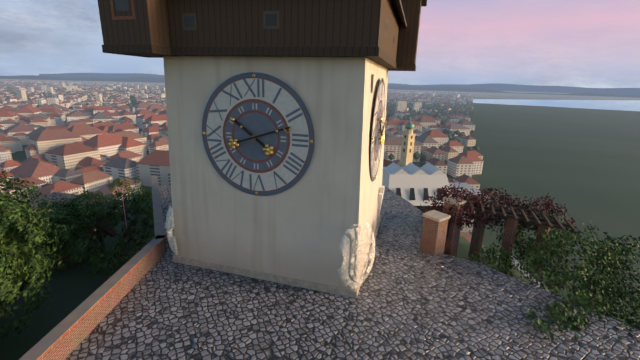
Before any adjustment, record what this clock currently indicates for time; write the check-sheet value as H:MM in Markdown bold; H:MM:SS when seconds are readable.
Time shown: **10:12**
